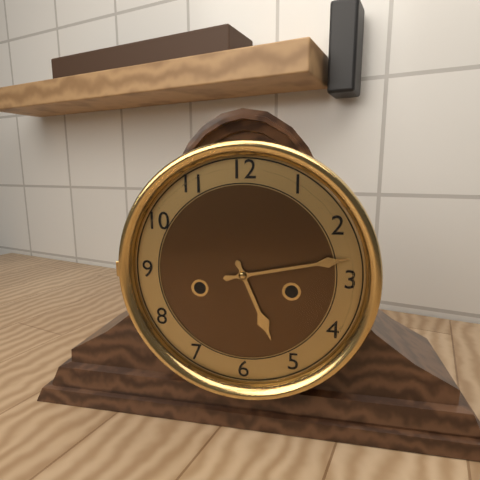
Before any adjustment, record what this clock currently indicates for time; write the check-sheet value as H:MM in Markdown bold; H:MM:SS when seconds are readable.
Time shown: **5:13**
